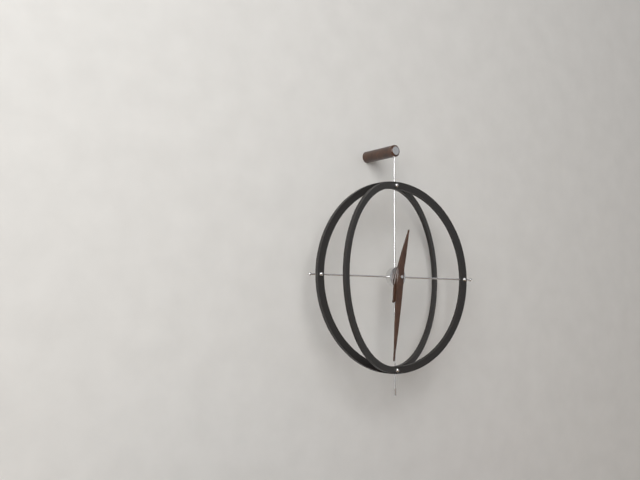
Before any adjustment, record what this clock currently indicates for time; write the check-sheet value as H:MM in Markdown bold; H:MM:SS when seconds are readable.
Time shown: **12:31**
